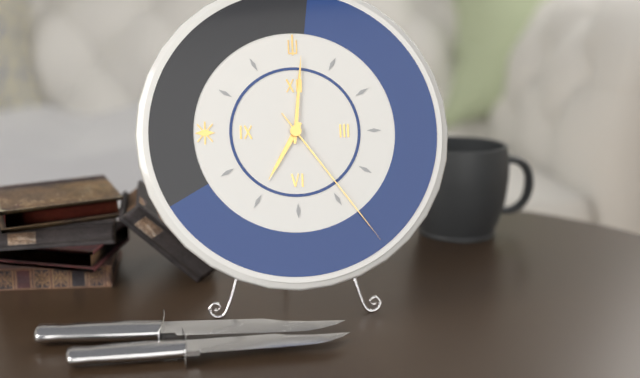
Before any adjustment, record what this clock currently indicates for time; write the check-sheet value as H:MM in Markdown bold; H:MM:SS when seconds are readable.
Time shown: **7:01:24**
